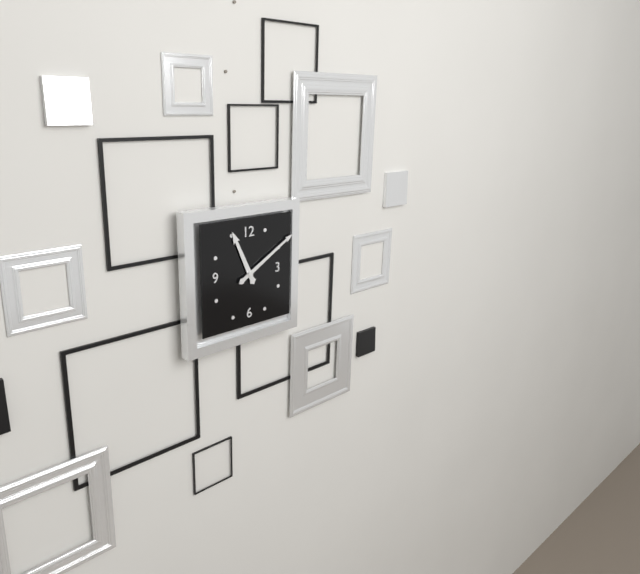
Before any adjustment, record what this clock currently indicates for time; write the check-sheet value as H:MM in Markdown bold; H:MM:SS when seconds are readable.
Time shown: **11:10**
